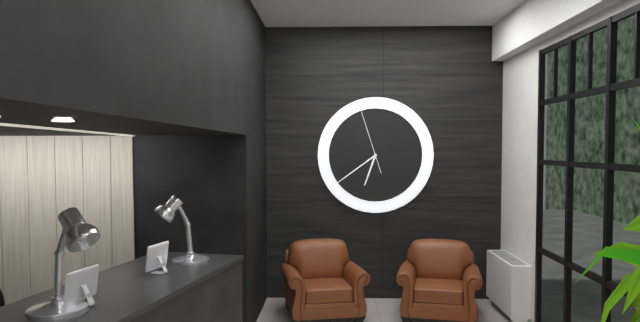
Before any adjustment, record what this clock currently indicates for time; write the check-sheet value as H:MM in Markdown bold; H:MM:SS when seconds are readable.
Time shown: **6:39:57**
